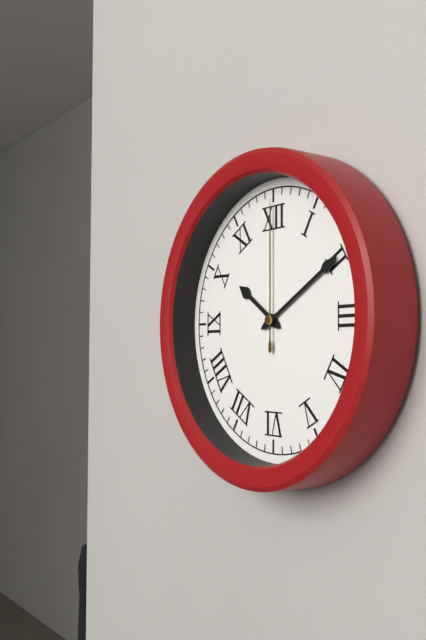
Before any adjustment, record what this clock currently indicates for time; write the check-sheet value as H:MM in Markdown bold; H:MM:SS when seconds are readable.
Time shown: **10:10:00**
